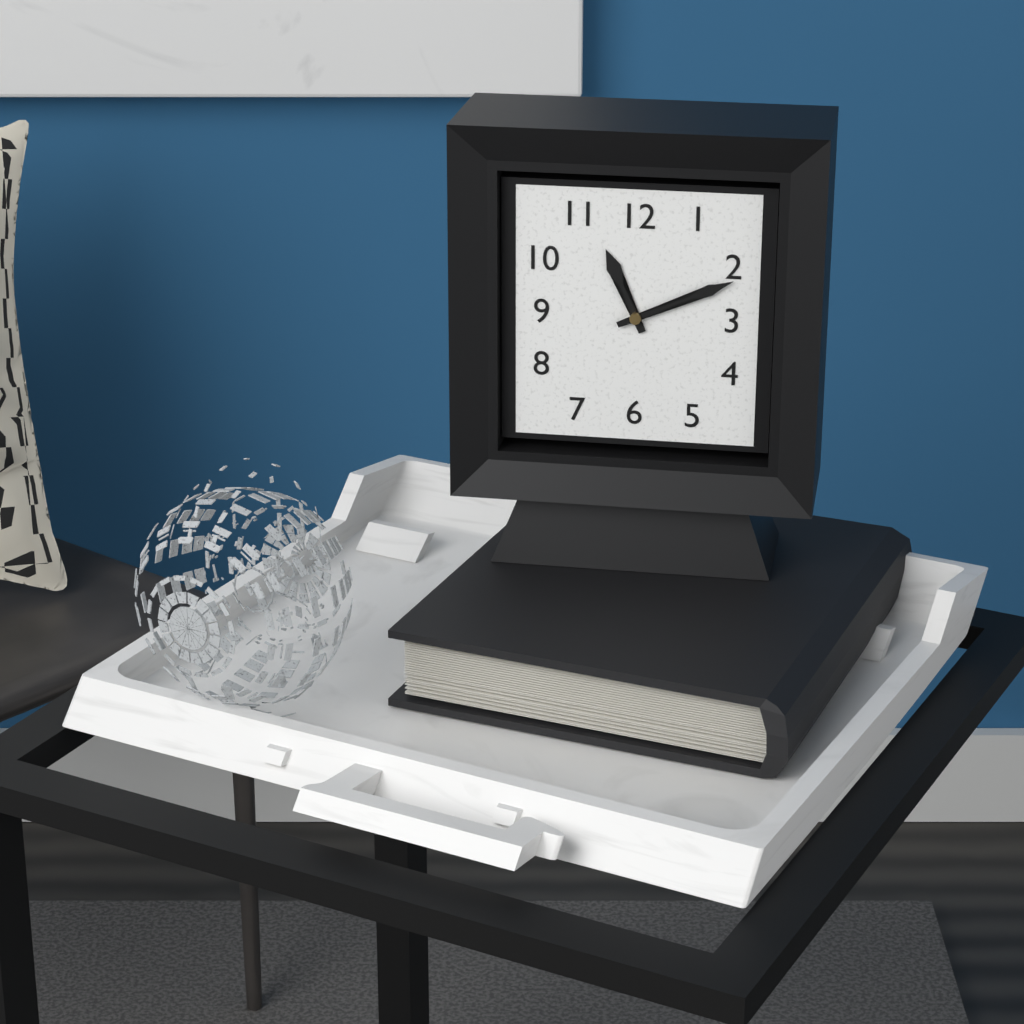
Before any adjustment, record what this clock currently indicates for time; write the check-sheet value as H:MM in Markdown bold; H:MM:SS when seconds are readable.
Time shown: **11:11**
